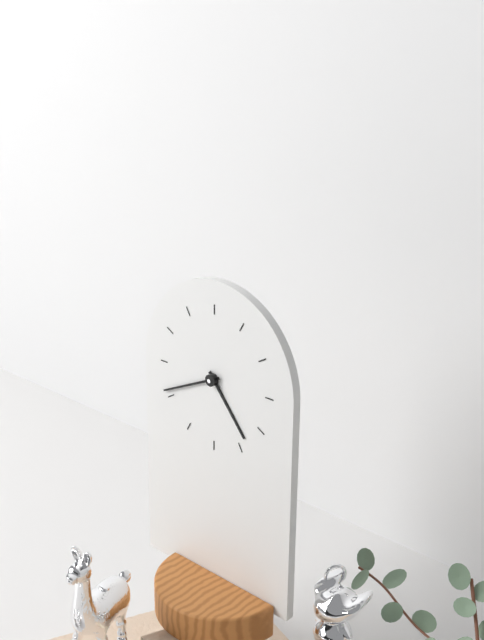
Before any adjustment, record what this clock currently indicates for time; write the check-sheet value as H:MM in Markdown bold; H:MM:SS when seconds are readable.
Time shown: **4:41**
